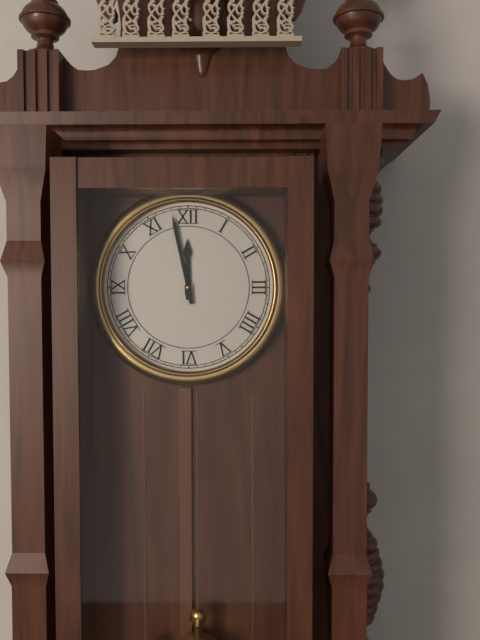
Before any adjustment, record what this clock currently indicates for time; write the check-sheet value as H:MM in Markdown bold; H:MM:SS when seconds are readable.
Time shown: **11:58**
